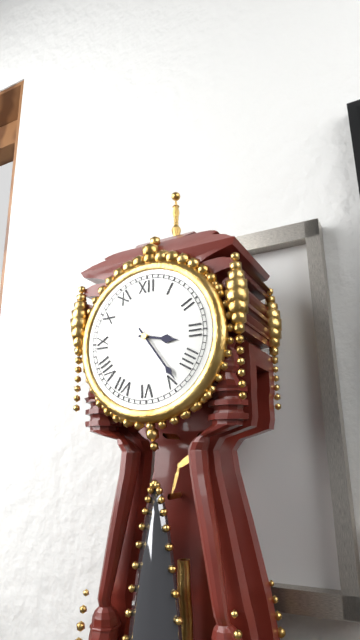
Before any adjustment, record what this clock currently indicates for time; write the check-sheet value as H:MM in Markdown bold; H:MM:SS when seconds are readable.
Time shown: **3:24**
